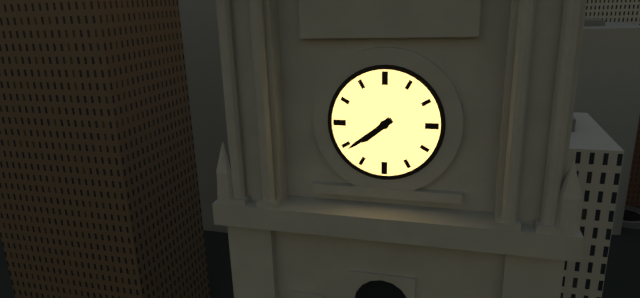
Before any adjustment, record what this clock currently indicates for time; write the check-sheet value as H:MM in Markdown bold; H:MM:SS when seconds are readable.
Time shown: **7:39**
